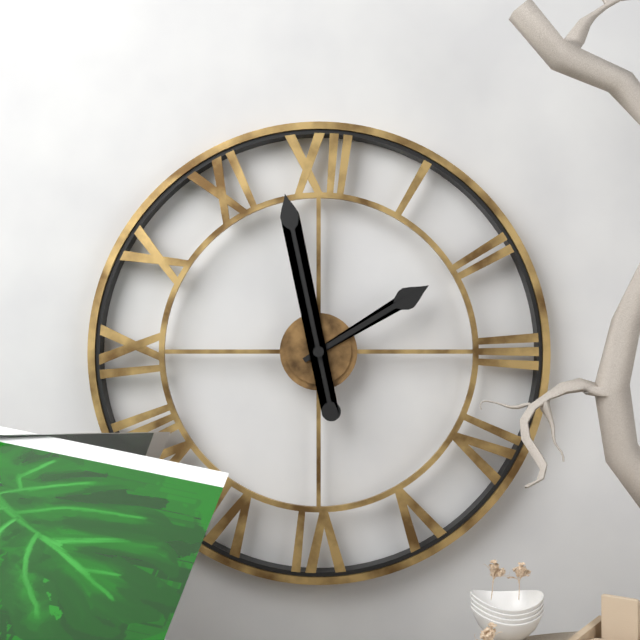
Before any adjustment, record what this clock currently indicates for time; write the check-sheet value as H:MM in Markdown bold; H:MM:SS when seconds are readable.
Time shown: **1:58**
